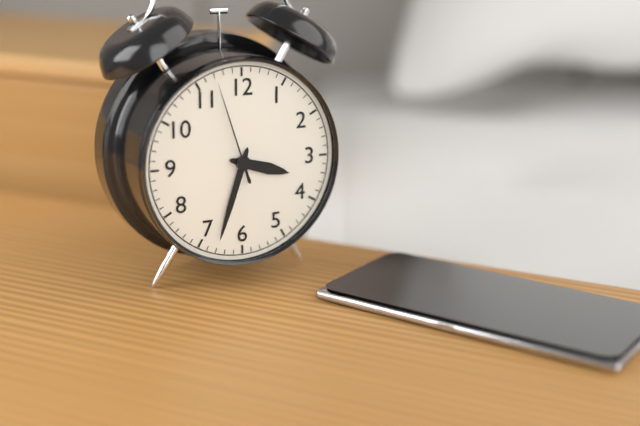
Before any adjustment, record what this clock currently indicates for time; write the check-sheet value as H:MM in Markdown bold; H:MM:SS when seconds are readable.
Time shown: **3:33:57**
